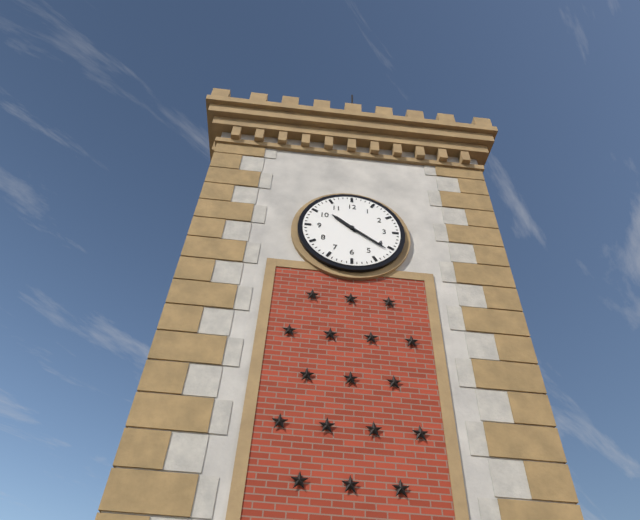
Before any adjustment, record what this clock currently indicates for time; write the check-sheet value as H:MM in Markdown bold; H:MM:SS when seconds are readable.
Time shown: **10:21**
